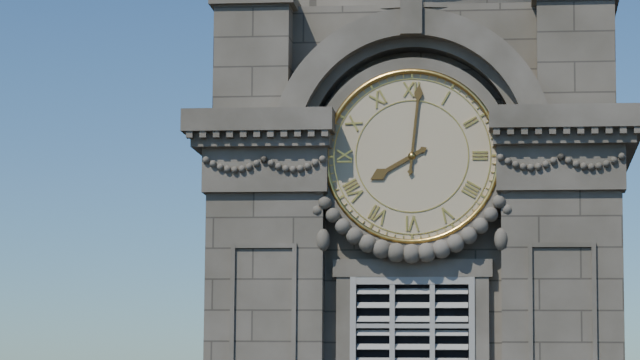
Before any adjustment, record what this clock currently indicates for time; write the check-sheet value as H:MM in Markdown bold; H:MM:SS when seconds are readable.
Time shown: **8:01**
